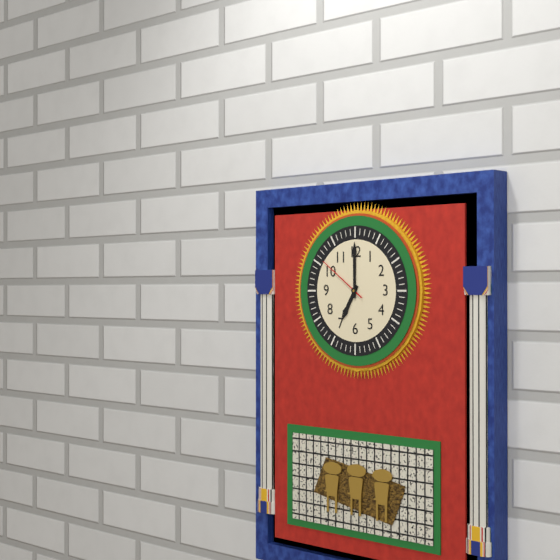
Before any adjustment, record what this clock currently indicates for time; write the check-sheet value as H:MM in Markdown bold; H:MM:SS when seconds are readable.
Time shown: **7:00:51**
